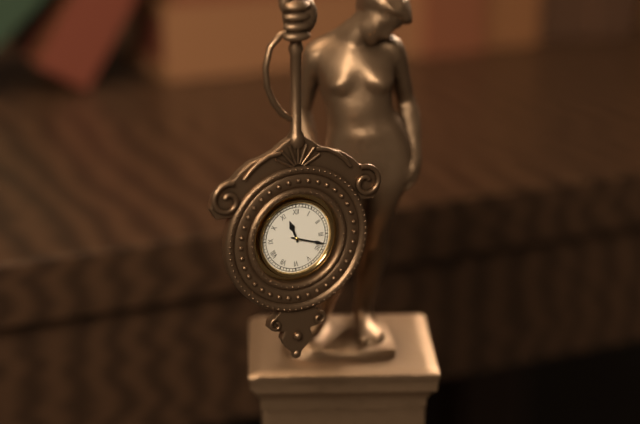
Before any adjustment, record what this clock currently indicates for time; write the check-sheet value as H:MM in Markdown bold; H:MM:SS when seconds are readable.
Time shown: **11:18**
